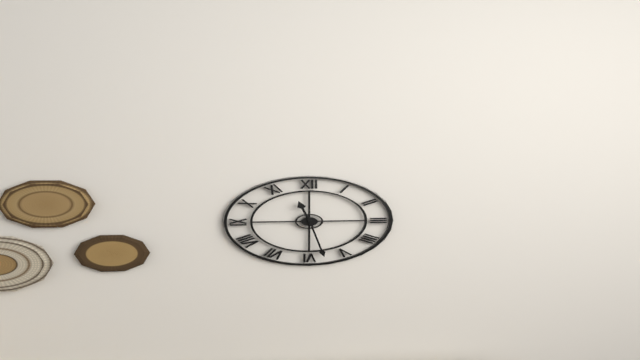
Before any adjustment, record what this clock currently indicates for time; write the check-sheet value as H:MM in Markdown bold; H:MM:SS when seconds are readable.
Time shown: **11:28**
